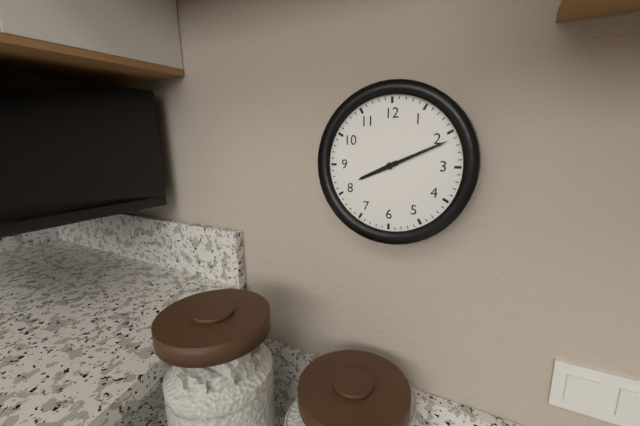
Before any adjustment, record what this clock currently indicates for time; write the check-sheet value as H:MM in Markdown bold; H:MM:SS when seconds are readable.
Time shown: **8:11**
